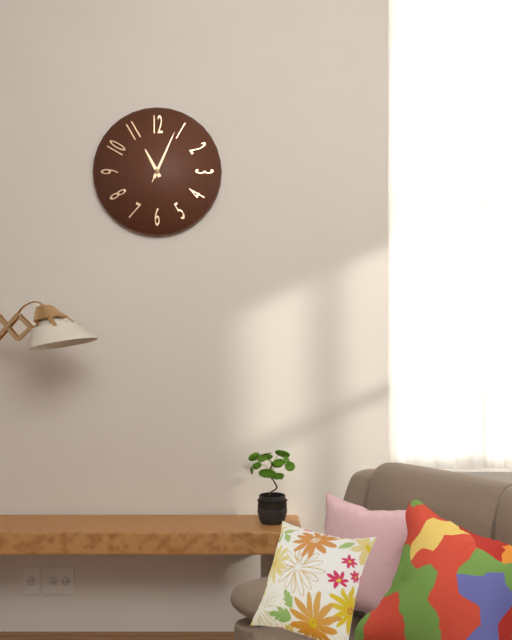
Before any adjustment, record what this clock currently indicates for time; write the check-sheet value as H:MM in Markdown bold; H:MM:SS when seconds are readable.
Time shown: **11:04:04**
